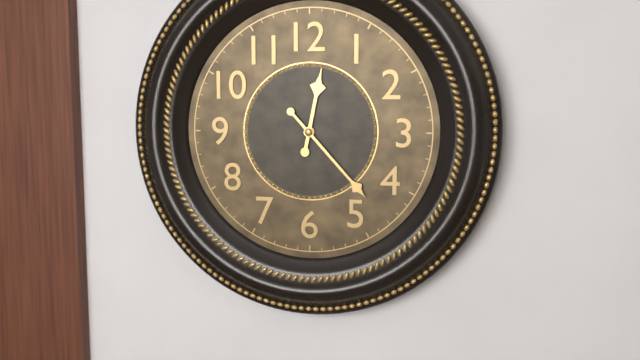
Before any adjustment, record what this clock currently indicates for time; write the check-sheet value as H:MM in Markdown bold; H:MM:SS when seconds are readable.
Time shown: **12:23**
